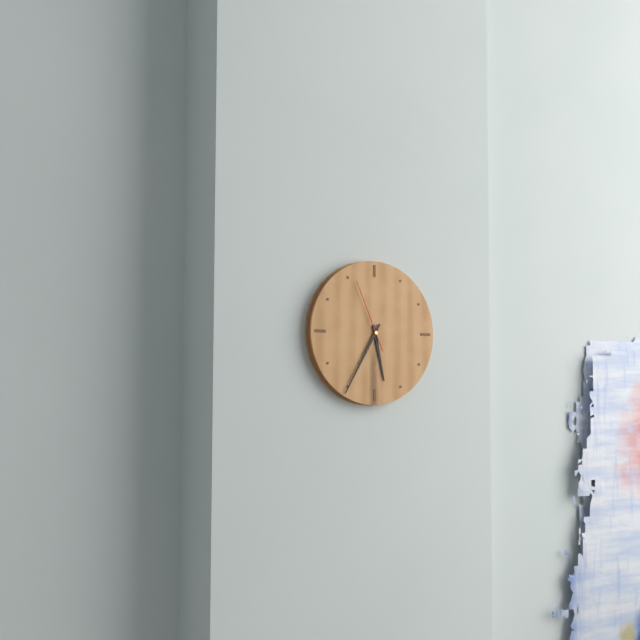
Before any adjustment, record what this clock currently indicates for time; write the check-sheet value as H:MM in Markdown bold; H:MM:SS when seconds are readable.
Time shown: **5:35:56**
